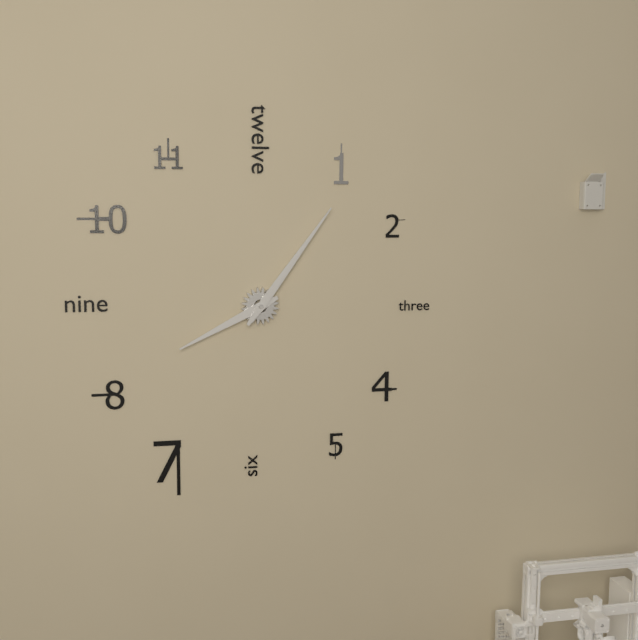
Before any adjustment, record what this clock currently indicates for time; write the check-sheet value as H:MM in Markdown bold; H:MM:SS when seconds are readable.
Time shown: **8:06**
